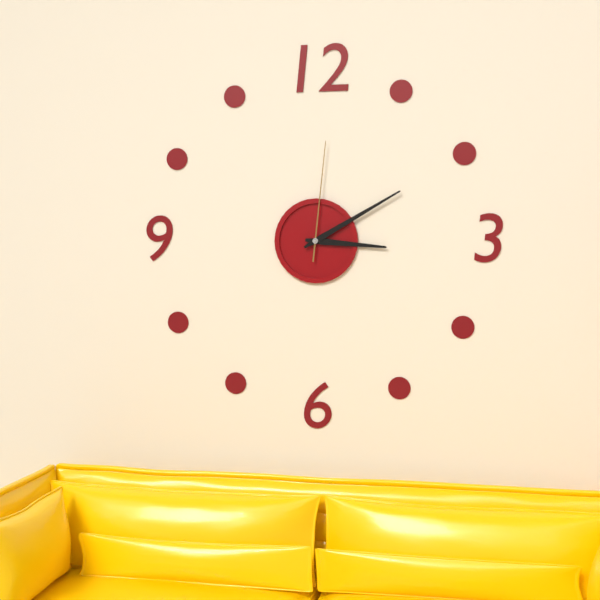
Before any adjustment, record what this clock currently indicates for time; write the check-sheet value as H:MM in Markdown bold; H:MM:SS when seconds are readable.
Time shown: **3:10:01**
